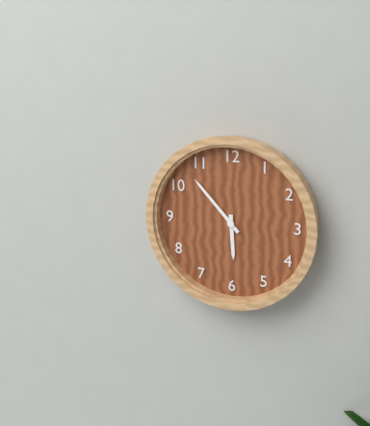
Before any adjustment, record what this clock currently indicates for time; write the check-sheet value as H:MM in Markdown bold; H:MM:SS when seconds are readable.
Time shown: **5:53**
